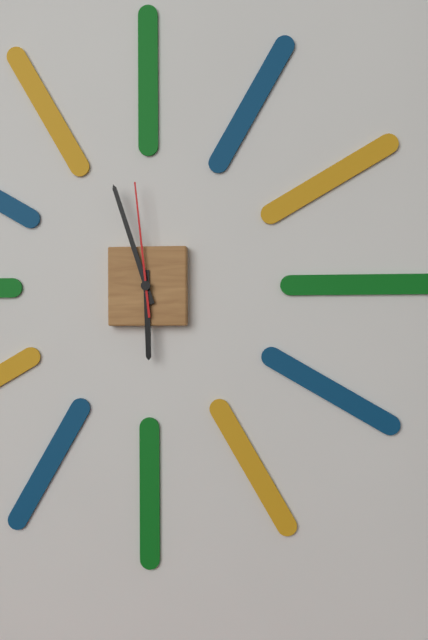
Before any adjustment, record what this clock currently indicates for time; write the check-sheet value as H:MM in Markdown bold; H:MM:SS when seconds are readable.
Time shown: **5:57:59**
